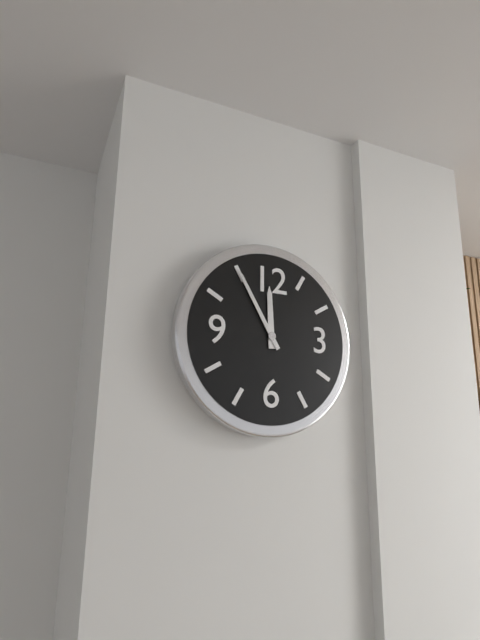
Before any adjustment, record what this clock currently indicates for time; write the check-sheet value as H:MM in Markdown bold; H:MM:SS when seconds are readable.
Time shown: **11:55**
